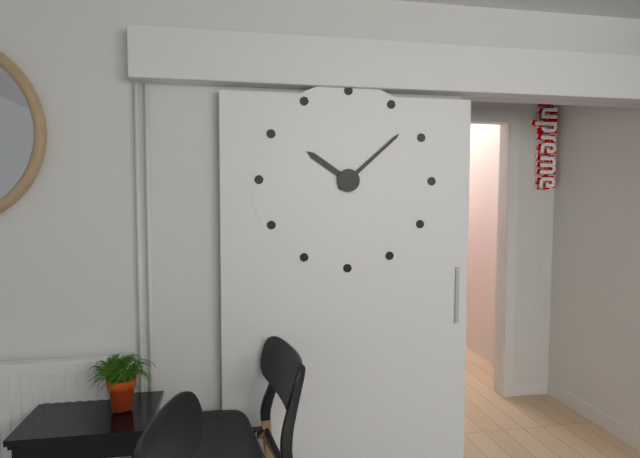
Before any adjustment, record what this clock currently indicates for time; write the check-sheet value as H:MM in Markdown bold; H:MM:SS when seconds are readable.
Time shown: **10:08**
